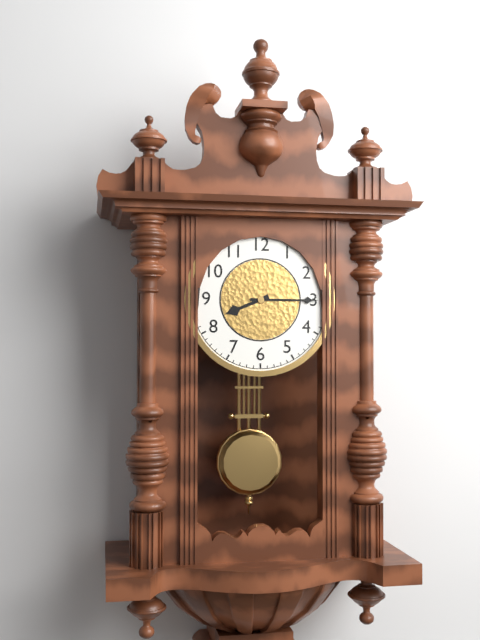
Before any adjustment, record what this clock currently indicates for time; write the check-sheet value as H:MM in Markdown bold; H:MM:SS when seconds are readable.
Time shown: **8:15**
